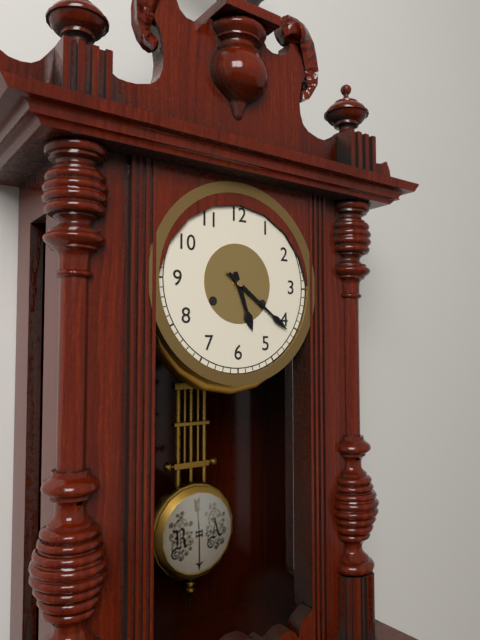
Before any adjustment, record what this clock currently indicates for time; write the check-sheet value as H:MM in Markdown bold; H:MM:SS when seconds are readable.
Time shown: **5:21**
